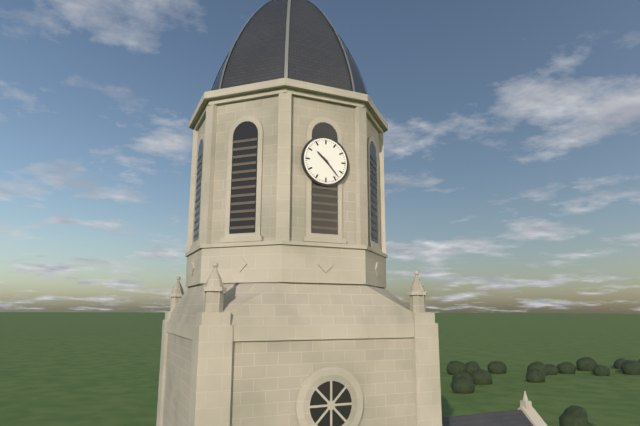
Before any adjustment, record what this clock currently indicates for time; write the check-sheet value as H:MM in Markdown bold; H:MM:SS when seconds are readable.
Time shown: **10:23**
